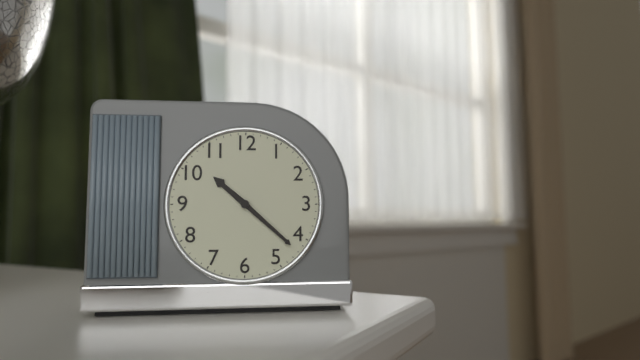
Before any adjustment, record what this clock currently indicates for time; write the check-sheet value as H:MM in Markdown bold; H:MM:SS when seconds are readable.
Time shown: **10:22**
